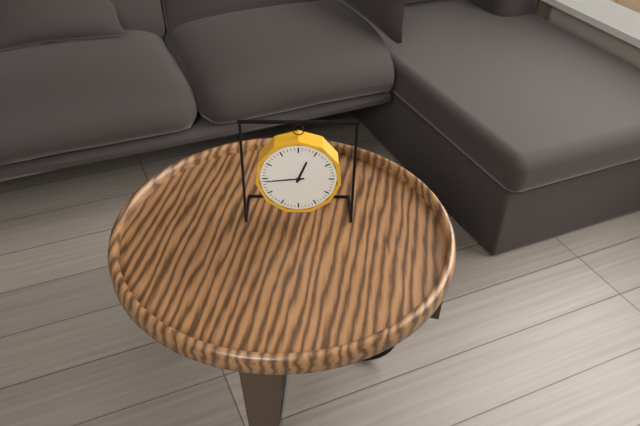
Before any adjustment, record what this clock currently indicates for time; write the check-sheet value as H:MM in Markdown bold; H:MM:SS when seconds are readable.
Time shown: **12:44**
